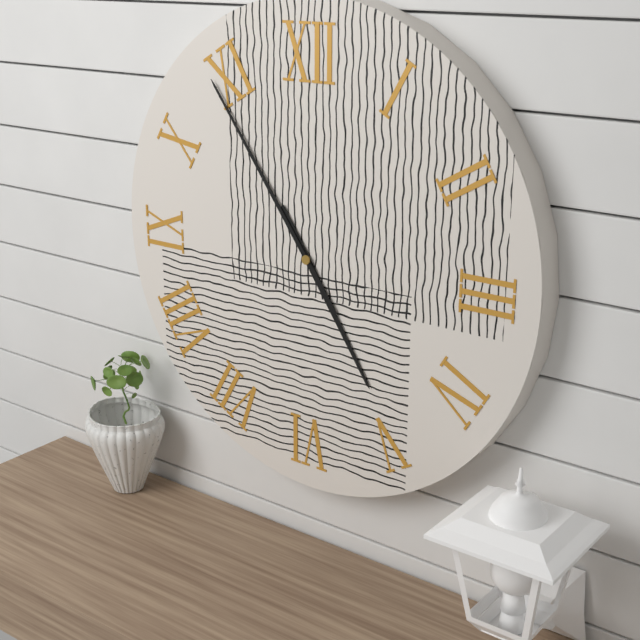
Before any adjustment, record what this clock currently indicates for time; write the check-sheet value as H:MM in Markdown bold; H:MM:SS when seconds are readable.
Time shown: **4:54**
